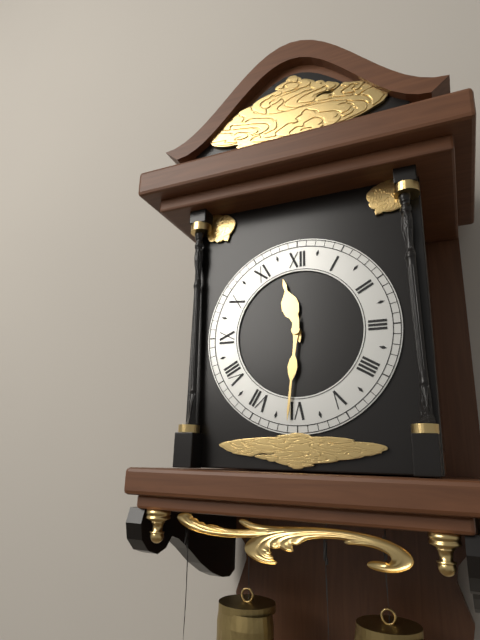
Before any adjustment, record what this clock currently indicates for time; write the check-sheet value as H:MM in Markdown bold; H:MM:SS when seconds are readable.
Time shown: **11:31**
